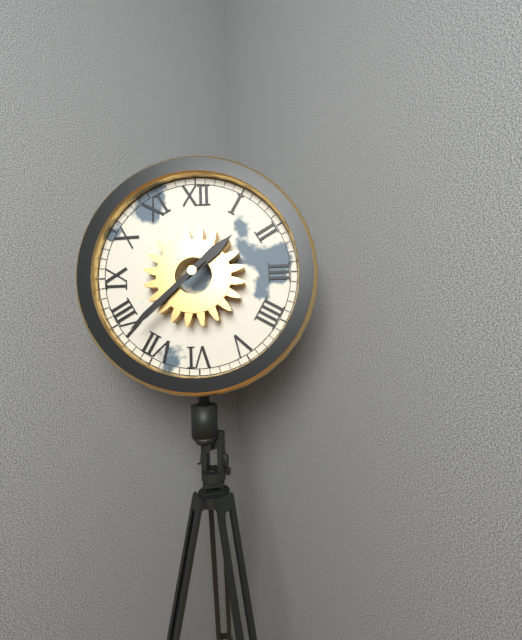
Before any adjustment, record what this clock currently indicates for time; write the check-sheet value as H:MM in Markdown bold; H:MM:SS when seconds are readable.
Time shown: **1:38**
